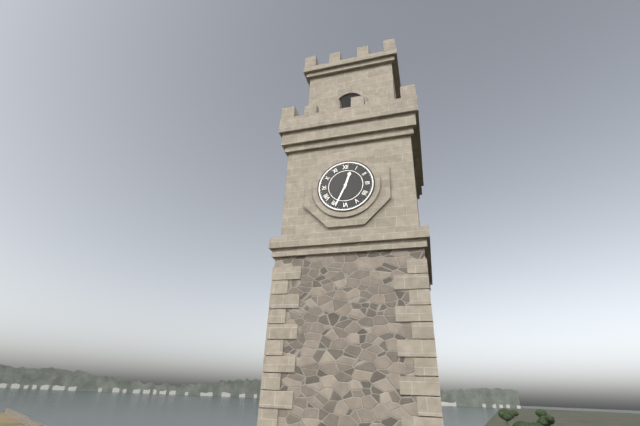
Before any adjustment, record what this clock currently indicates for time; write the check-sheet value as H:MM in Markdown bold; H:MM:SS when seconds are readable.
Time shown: **12:34**
